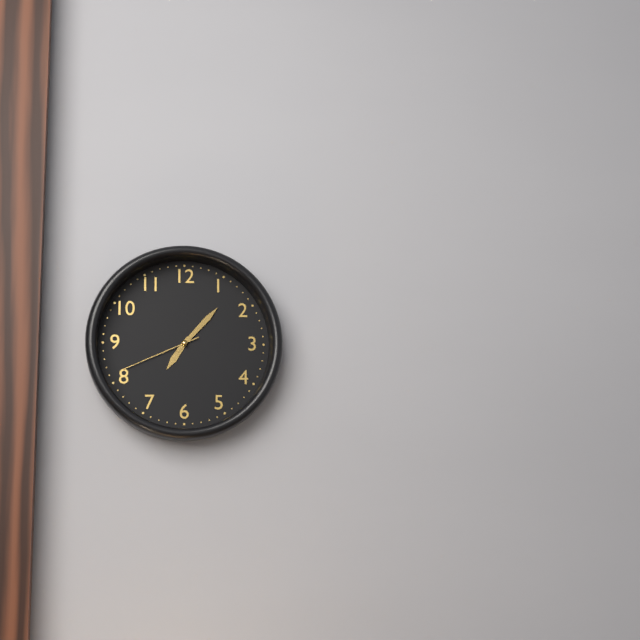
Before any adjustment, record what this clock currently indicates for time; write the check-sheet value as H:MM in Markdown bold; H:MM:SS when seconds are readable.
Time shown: **7:07:41**
